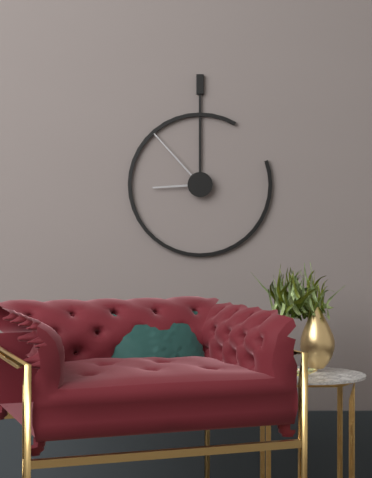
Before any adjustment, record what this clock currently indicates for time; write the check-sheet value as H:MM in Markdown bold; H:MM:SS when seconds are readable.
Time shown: **8:53**
